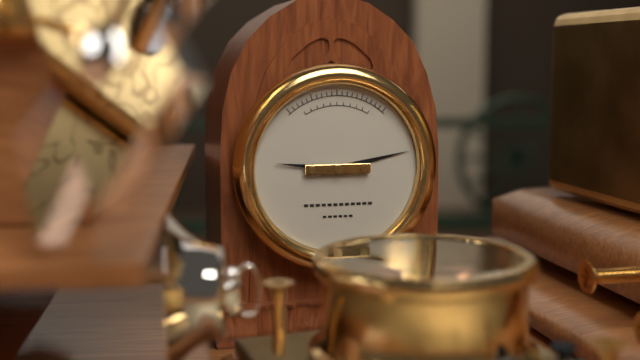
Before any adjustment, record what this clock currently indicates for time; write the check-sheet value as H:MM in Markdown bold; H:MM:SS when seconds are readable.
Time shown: **9:13**
